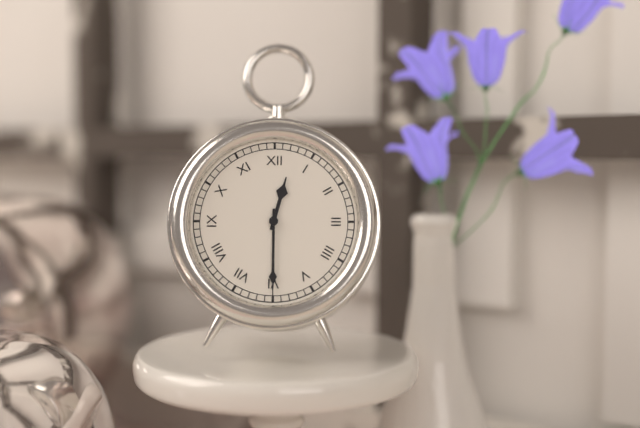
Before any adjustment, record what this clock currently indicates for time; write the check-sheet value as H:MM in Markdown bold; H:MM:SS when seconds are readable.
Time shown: **12:30**
